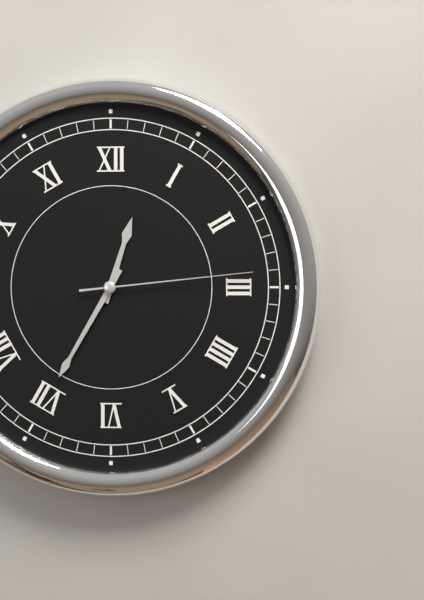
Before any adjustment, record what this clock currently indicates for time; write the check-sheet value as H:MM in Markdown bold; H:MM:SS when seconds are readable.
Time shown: **12:35:14**
